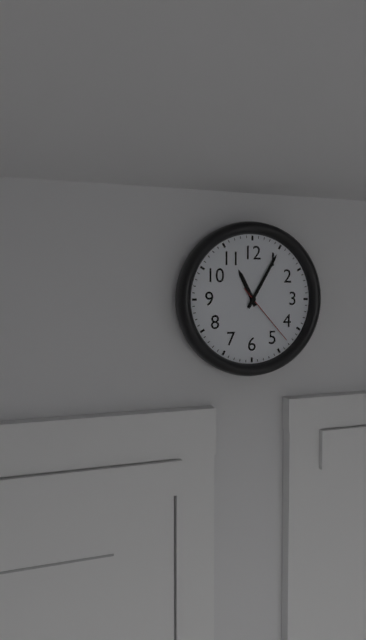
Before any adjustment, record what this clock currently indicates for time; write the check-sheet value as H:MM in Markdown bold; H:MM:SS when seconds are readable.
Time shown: **11:05:23**
